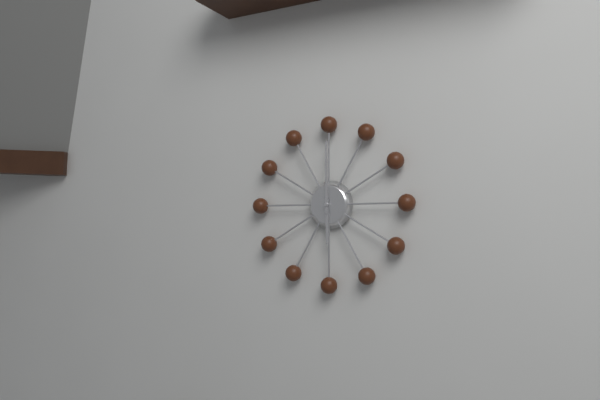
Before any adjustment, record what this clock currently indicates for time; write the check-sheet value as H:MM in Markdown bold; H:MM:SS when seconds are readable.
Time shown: **6:00**
